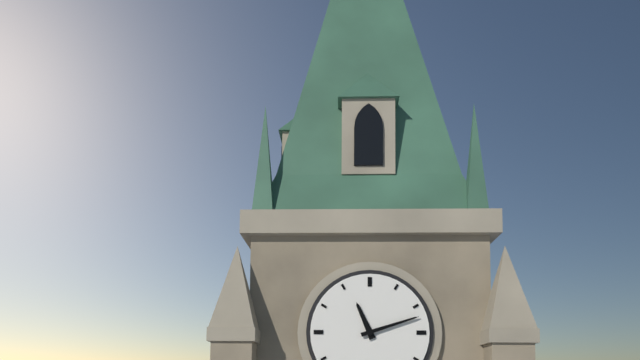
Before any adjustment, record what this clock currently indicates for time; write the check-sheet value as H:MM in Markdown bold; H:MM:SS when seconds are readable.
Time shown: **11:12**
